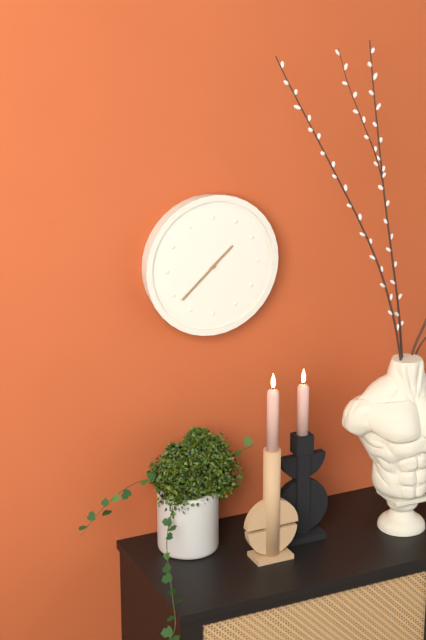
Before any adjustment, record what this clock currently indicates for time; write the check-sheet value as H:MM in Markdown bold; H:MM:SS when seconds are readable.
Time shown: **1:38**
